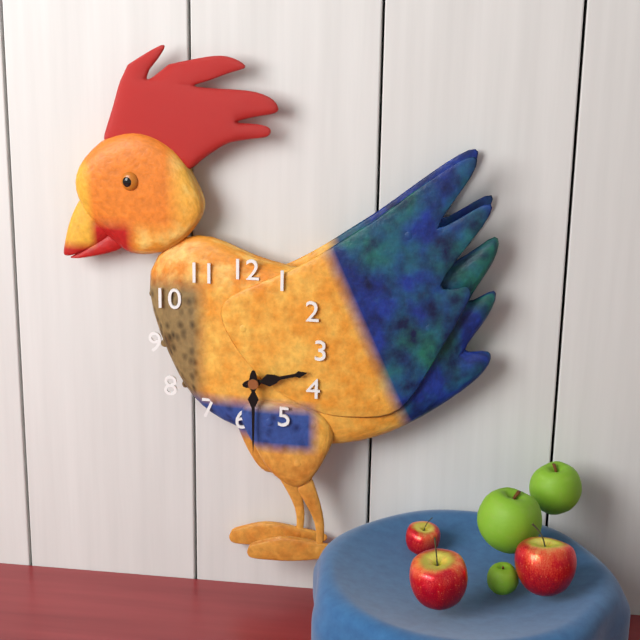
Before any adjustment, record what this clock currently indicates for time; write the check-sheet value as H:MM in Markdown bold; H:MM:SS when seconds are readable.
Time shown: **2:30**
